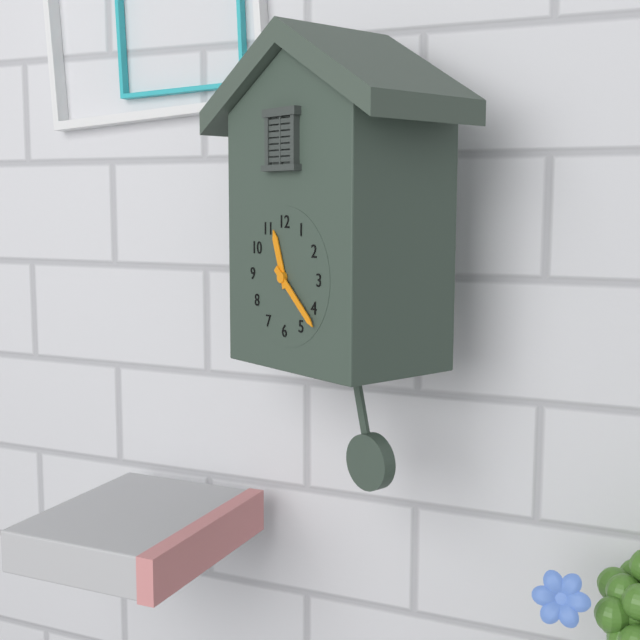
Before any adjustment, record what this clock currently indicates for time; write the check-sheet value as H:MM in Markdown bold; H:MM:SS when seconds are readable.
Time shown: **11:22**
